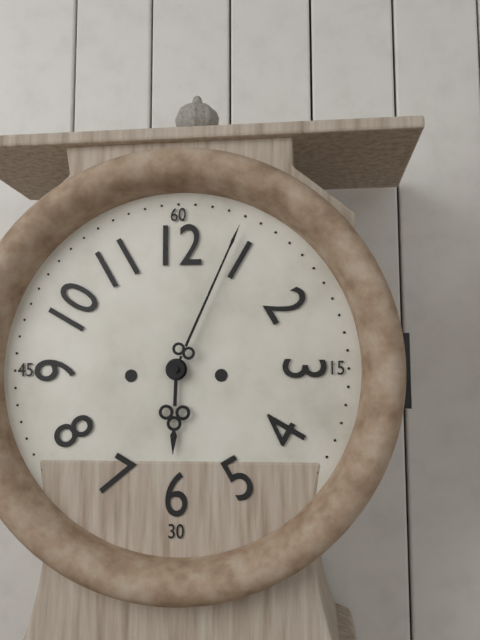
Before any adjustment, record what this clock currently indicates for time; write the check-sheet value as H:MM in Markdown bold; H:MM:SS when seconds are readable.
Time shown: **6:04**
